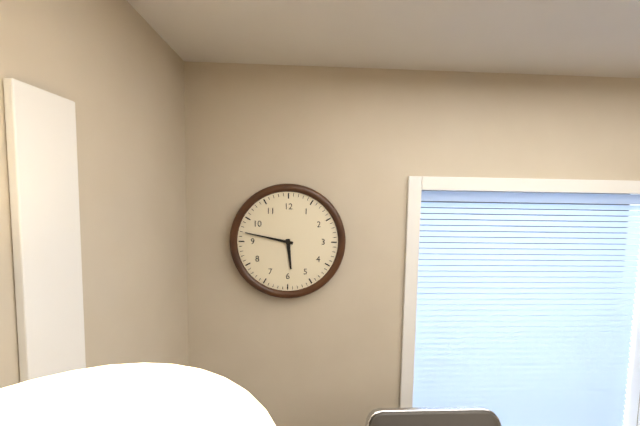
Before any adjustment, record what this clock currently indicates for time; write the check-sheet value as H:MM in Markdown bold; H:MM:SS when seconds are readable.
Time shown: **5:47**
